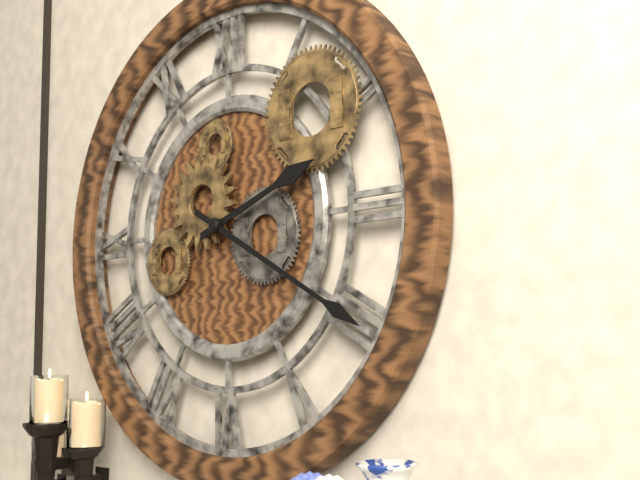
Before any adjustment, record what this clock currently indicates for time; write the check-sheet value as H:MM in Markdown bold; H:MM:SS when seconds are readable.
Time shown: **2:20**
